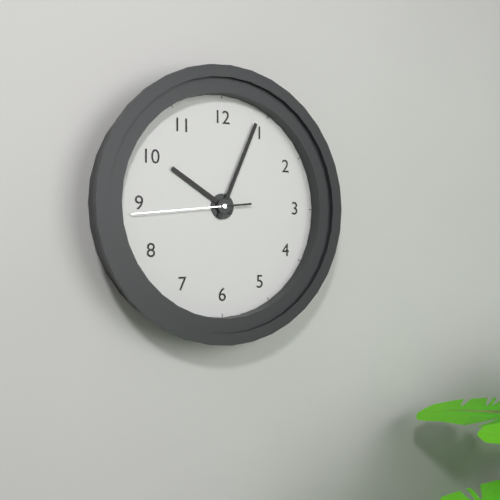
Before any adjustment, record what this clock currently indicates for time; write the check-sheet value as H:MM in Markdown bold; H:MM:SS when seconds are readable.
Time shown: **10:04:44**
